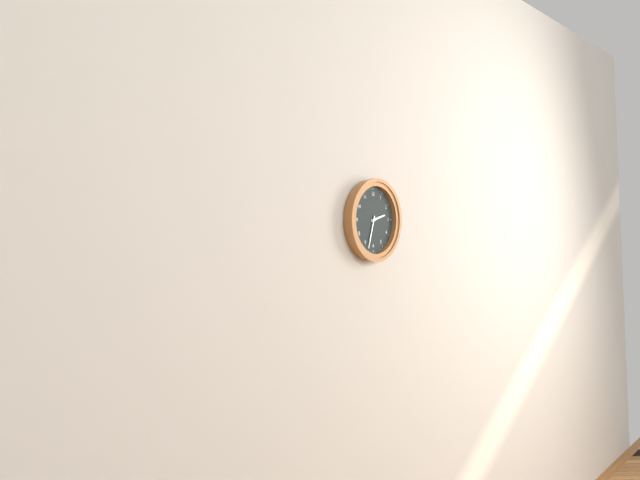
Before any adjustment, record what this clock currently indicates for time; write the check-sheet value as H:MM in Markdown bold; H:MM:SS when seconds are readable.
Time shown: **2:33**
